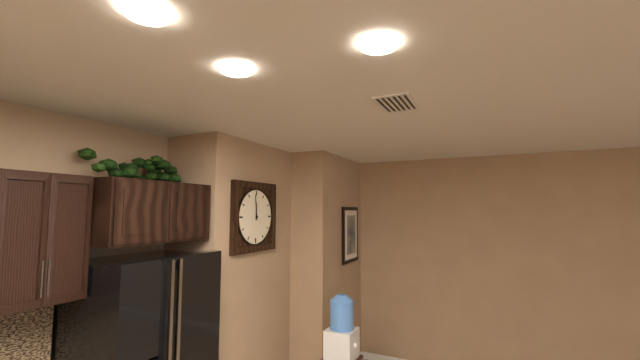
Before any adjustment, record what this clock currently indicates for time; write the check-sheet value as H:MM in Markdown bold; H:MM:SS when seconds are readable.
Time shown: **11:59**
